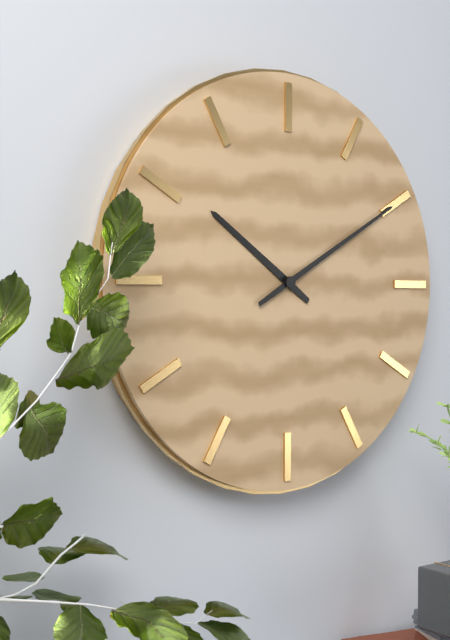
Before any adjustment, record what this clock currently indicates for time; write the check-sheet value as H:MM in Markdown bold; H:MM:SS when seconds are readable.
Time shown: **10:10**
